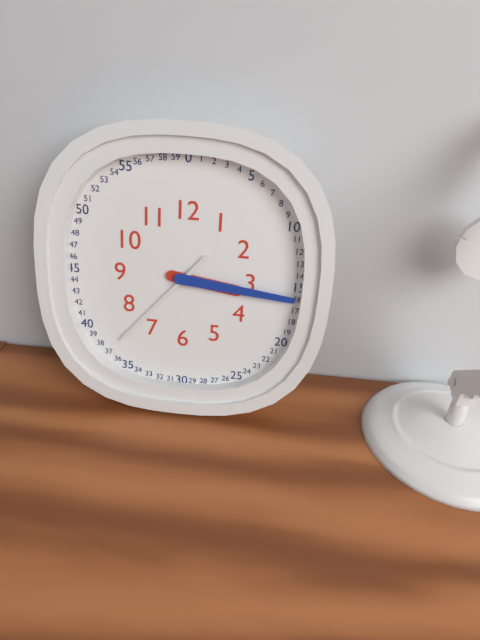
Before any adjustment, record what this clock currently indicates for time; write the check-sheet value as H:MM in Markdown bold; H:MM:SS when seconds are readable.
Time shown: **3:16:37**
